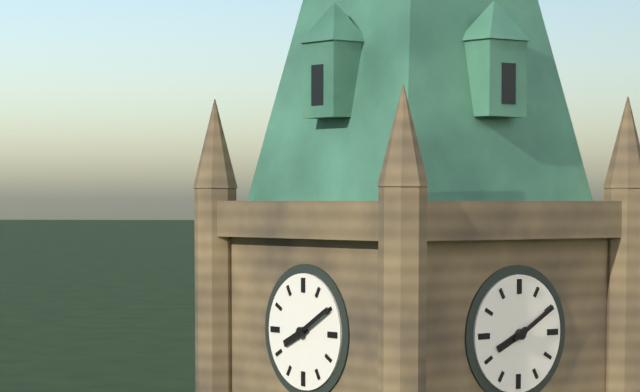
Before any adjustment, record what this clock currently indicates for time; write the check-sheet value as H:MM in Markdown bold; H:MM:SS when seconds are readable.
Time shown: **8:10**
